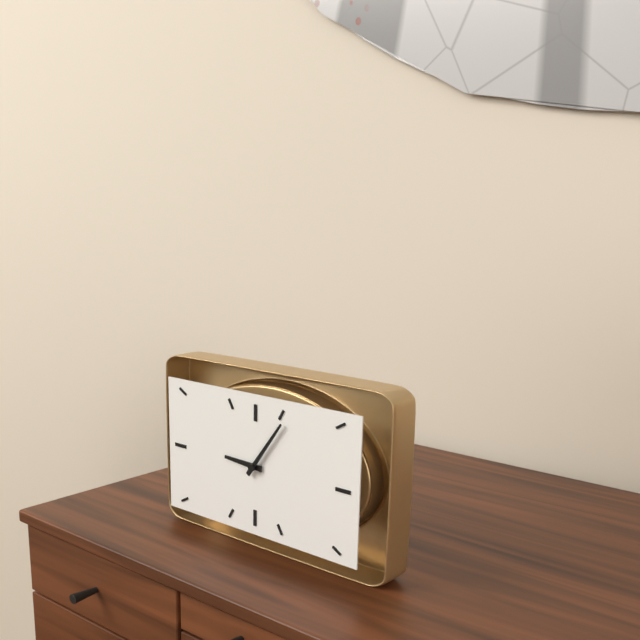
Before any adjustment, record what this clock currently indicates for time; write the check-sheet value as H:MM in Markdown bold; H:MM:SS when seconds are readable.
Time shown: **9:06**
